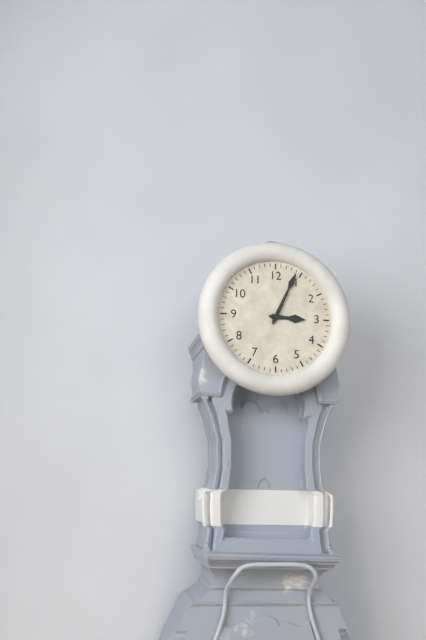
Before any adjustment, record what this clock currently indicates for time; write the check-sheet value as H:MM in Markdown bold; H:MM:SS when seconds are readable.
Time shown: **3:04**
